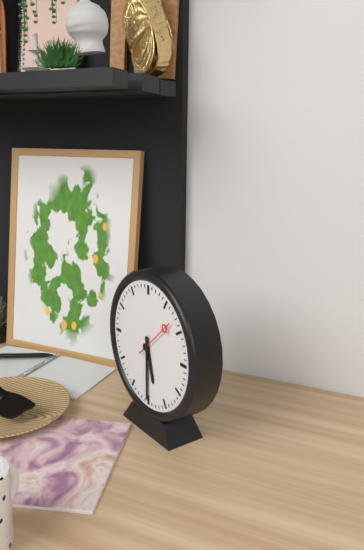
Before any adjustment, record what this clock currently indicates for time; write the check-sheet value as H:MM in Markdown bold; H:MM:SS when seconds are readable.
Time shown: **5:30**
